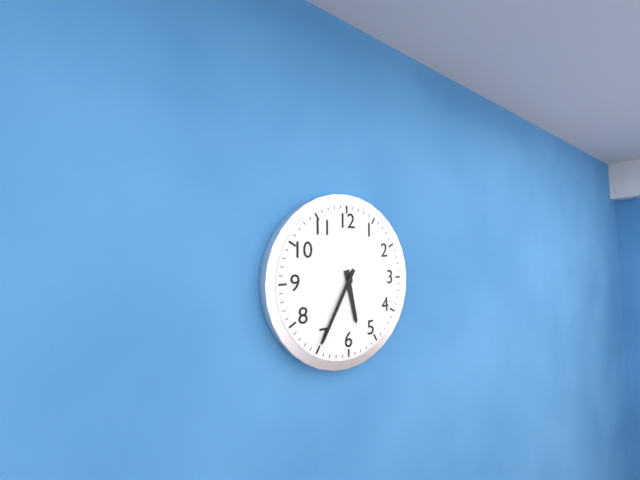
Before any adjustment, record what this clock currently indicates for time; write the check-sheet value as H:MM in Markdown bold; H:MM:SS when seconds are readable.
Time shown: **5:35**
